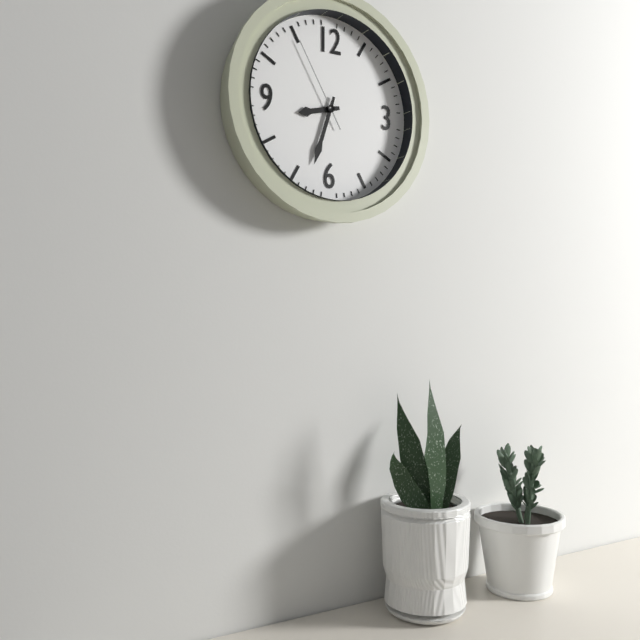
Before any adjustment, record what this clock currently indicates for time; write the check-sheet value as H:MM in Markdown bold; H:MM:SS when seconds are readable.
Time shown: **8:33:55**
